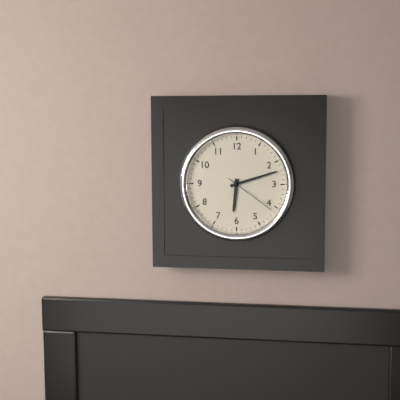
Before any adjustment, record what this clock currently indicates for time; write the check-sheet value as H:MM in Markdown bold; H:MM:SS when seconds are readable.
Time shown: **6:12:21**
